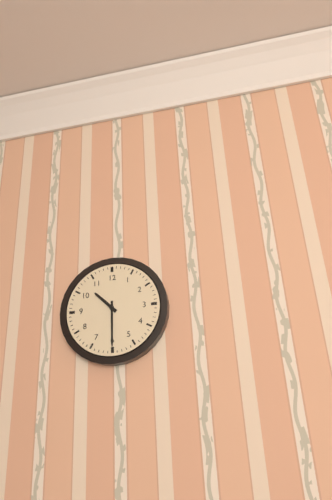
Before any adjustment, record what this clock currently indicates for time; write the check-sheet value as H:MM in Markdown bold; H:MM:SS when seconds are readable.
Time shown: **10:30**
